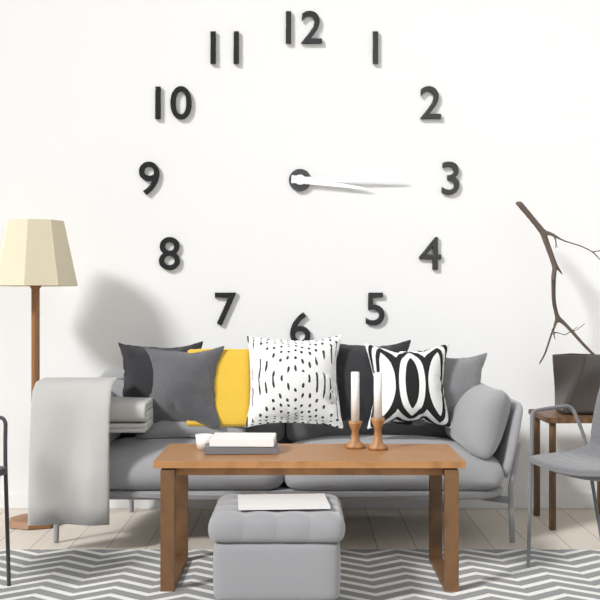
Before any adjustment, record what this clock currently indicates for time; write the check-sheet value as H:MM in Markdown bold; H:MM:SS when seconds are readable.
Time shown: **3:15**
